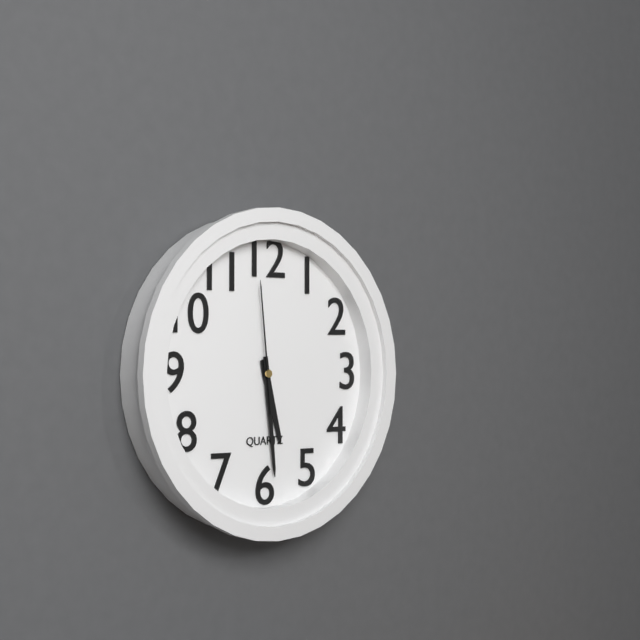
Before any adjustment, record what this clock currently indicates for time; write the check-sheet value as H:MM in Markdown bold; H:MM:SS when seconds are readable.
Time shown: **5:29:59**
